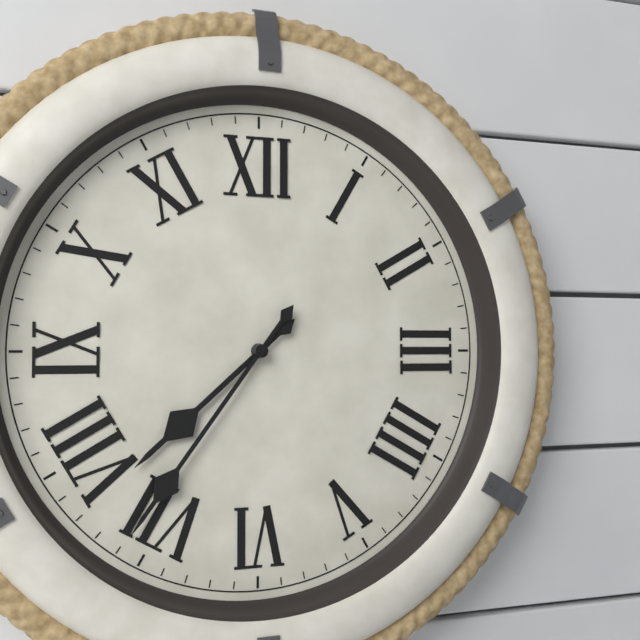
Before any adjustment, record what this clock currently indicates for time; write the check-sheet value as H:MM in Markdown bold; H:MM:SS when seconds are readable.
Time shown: **7:36**
